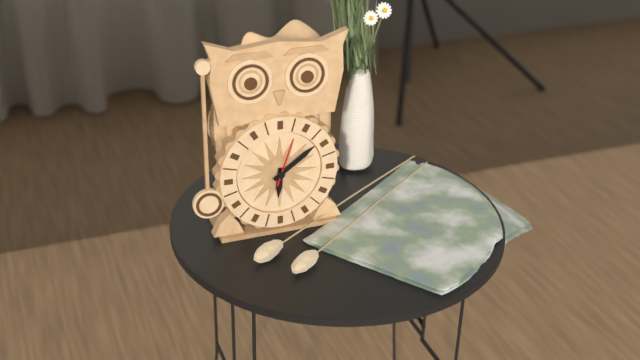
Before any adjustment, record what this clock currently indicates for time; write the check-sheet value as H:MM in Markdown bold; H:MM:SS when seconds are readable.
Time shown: **6:09**
